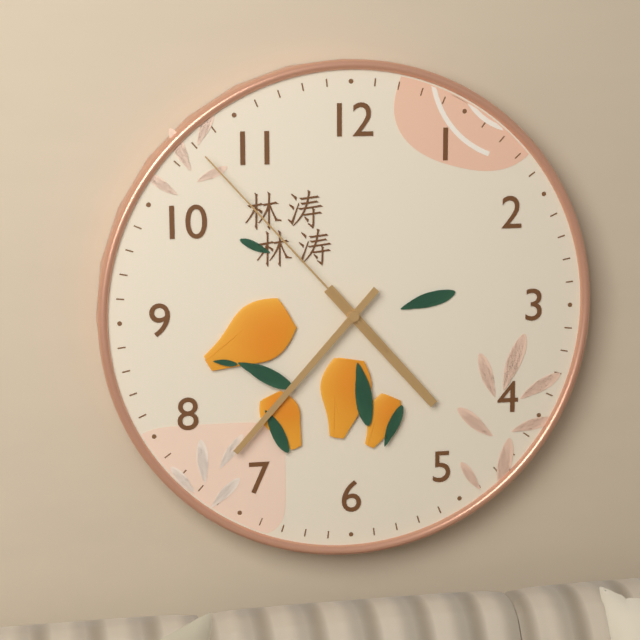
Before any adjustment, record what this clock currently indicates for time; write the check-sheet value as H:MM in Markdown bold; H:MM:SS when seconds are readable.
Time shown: **4:37:53**
